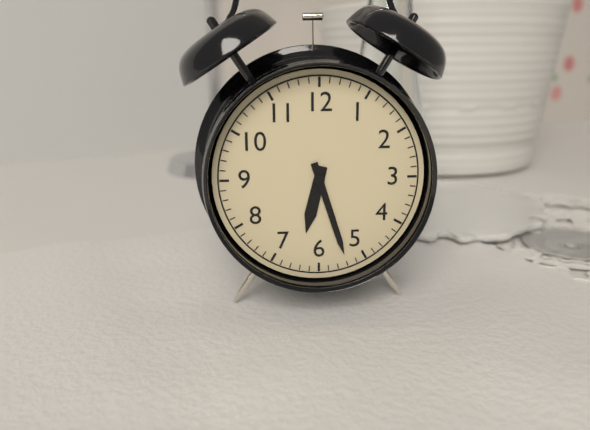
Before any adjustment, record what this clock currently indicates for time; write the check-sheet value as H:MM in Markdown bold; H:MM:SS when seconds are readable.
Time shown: **6:27**
